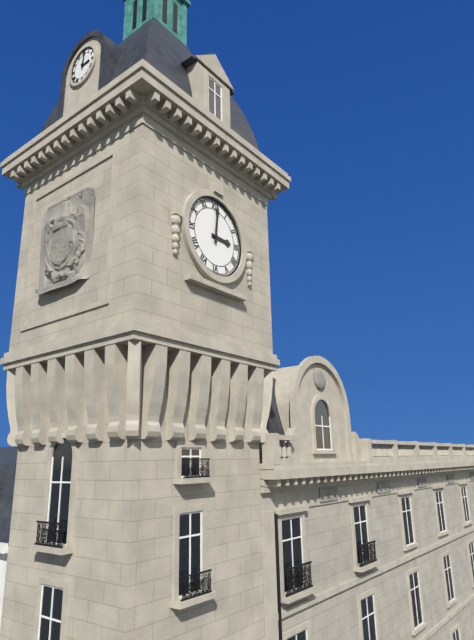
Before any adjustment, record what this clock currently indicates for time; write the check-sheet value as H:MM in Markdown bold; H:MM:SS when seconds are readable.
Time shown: **3:01**
